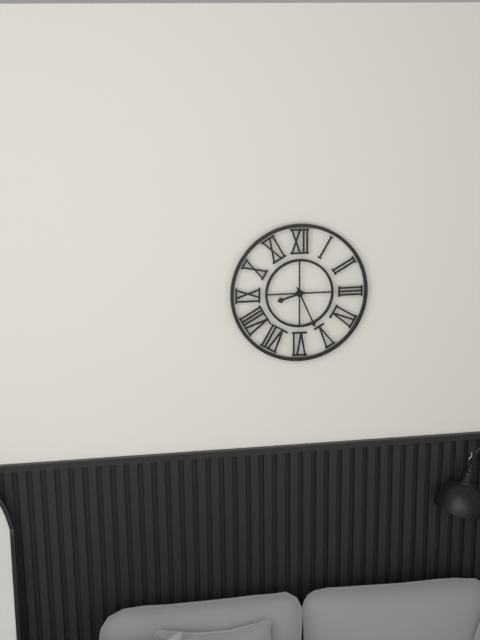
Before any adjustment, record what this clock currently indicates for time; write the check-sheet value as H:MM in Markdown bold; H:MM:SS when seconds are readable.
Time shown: **8:26**
